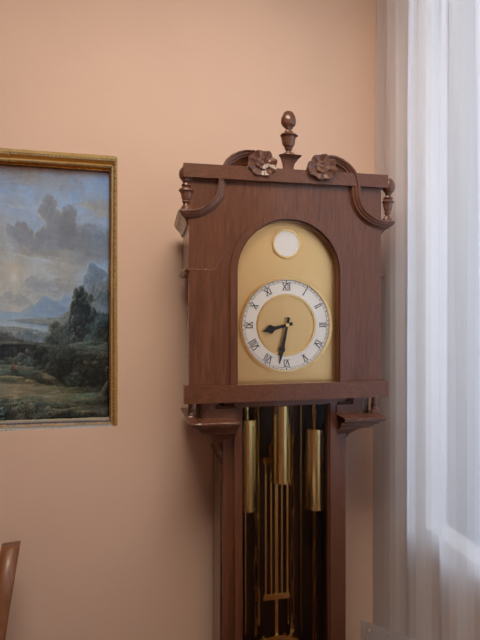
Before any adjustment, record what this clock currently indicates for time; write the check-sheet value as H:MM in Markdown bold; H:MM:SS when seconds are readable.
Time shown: **8:32**
